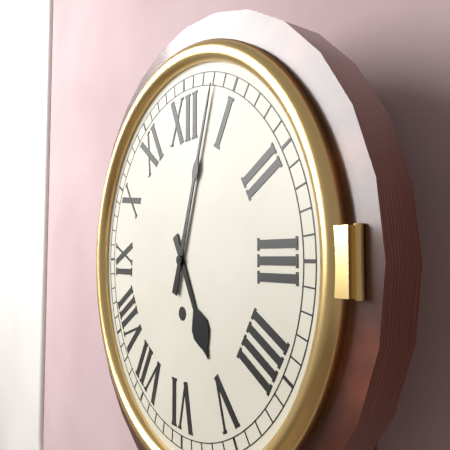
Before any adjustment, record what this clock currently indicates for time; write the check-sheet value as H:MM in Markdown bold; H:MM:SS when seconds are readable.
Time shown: **5:03**
